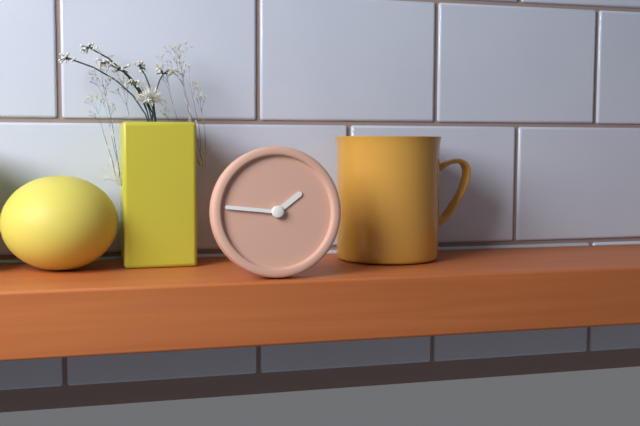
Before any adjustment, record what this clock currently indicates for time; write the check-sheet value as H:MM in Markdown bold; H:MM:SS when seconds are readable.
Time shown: **1:46**
